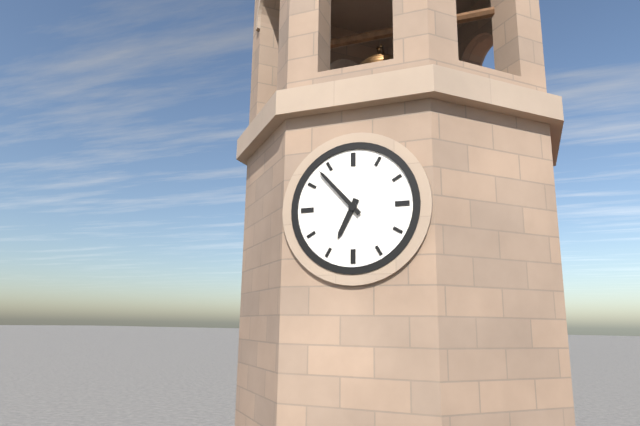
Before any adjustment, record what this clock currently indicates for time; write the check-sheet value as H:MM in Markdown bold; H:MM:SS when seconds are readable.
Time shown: **6:53**
